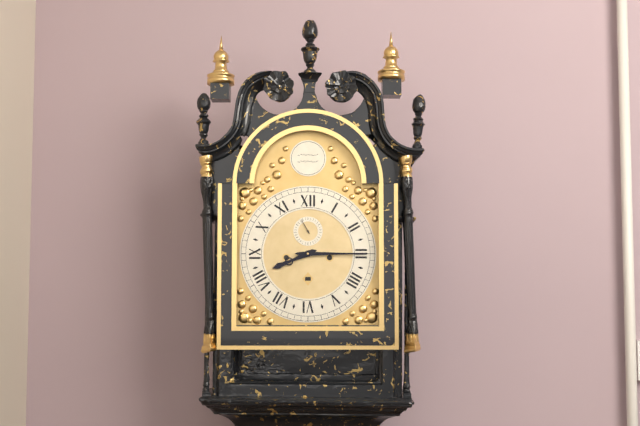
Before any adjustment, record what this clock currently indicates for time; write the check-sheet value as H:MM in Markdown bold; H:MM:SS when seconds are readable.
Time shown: **8:15**
